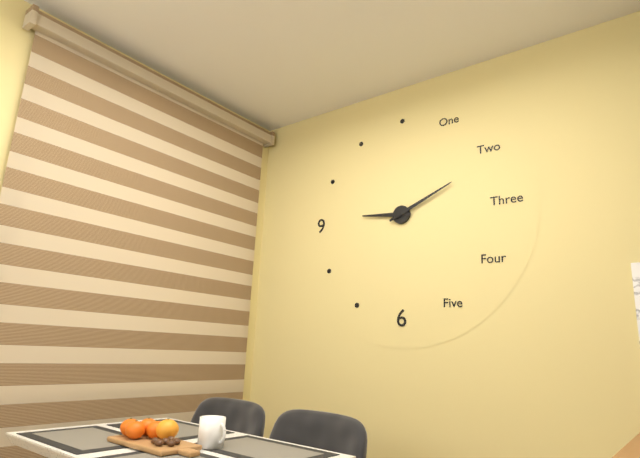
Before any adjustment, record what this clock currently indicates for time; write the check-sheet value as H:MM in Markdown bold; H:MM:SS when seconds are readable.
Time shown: **9:11**
